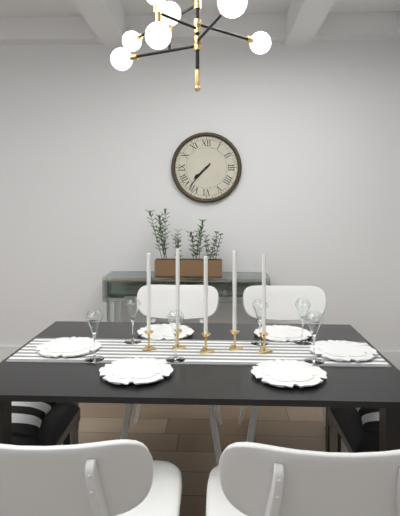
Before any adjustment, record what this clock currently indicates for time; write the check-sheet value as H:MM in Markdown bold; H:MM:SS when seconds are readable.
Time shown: **7:37**
